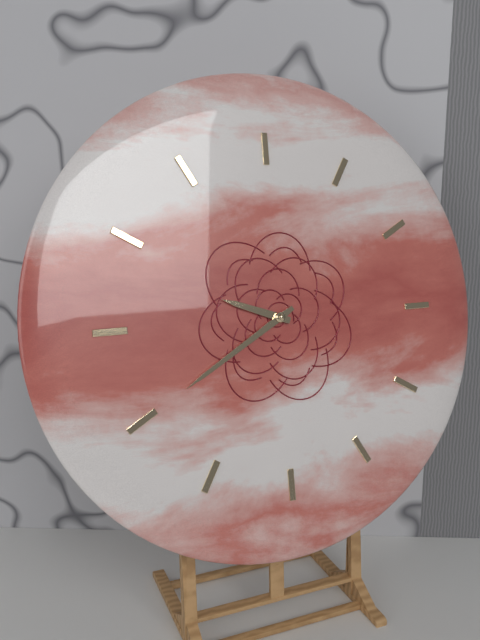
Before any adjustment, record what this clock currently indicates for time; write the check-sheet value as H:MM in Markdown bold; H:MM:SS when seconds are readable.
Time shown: **9:40**
